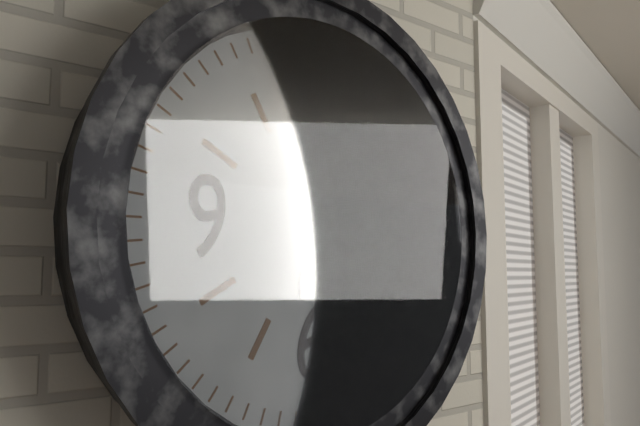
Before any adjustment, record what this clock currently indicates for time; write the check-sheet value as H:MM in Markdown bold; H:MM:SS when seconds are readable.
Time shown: **6:28**
